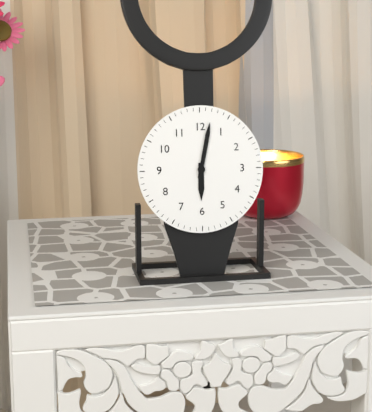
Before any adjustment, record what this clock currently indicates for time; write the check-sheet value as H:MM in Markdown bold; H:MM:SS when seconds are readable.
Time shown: **6:02**
